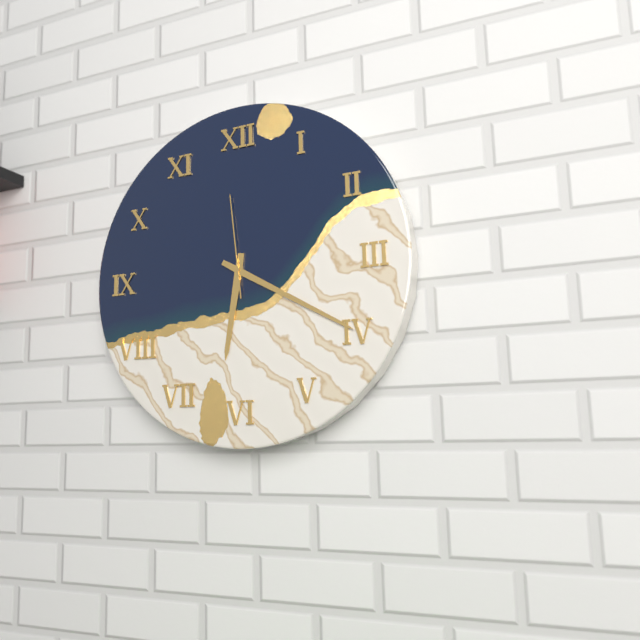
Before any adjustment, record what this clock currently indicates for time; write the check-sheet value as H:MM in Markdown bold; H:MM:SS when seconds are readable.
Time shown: **6:20:59**
